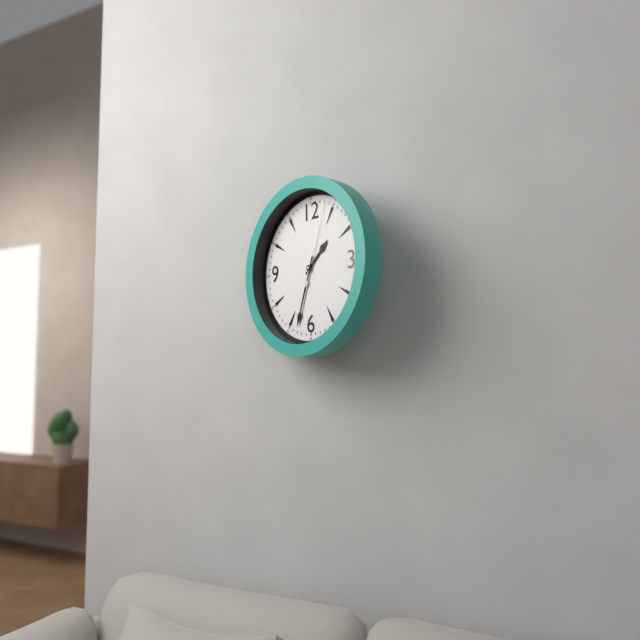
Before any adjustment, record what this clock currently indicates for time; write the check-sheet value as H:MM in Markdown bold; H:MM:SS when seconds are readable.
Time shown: **1:33:03**
